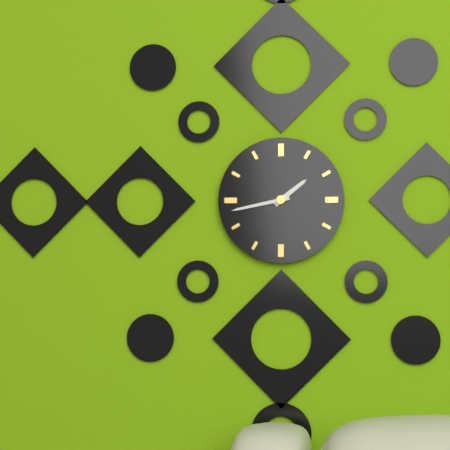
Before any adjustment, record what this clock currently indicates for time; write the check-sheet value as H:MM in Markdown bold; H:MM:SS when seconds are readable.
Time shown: **1:43**
